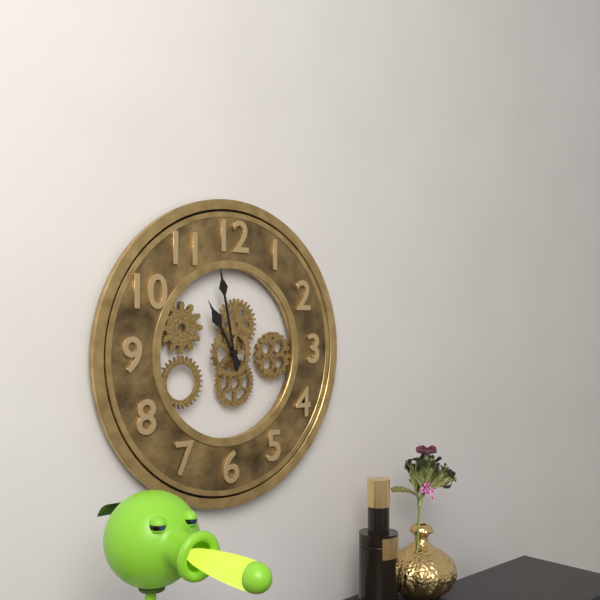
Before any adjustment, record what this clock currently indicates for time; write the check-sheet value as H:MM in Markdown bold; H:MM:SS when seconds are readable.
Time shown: **10:58**
